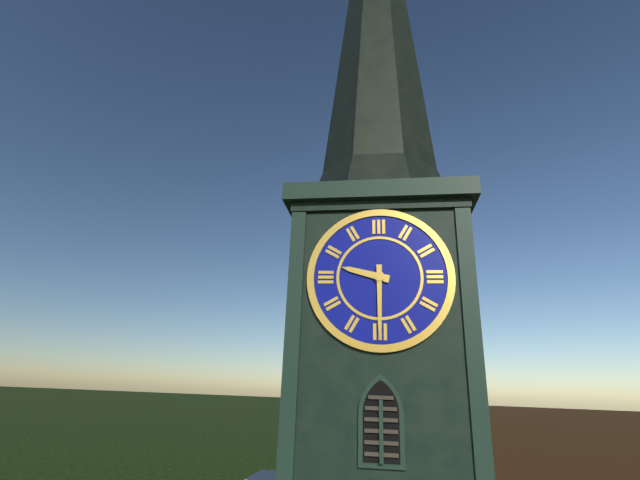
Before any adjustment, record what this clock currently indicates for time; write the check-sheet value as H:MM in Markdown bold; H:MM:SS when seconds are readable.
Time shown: **9:30**
